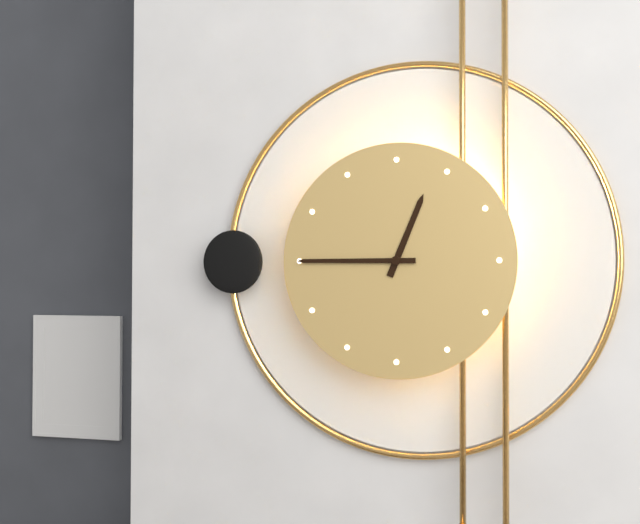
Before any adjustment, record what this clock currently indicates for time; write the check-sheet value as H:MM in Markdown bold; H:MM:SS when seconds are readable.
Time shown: **12:45**
